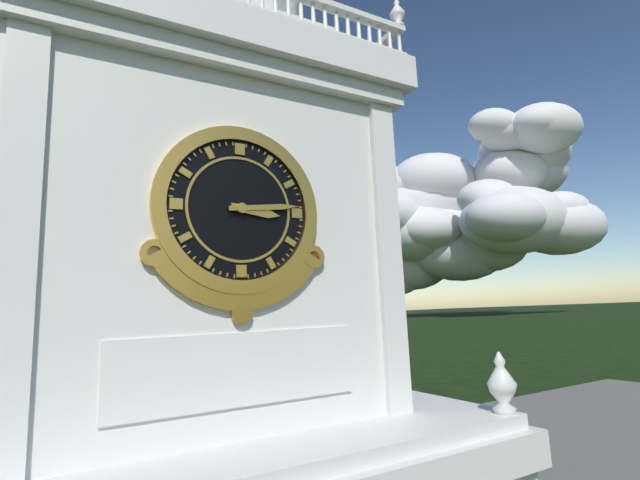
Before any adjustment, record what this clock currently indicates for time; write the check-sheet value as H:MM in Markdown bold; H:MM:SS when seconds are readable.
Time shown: **3:14**
